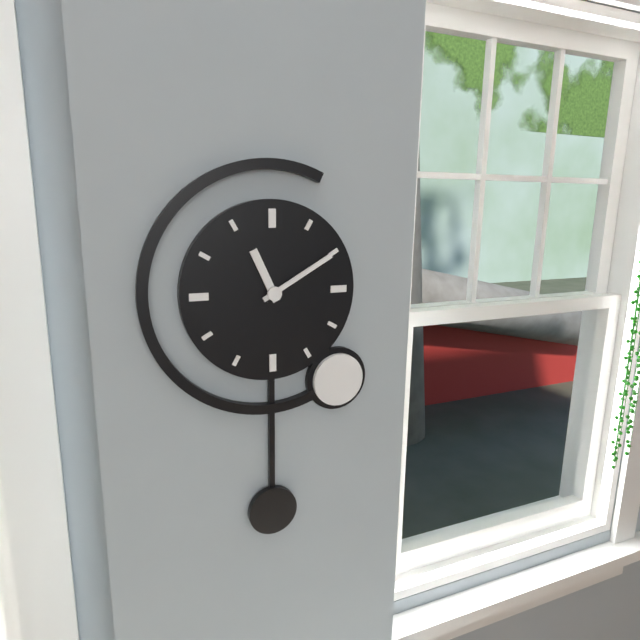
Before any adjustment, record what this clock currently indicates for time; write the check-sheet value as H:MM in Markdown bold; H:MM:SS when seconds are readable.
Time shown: **11:10**
